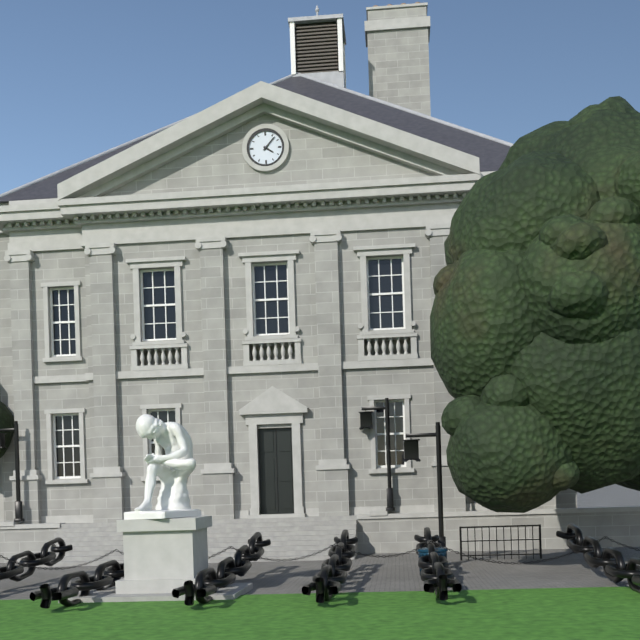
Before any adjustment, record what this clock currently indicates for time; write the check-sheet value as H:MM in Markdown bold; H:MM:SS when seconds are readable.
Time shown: **4:07**
